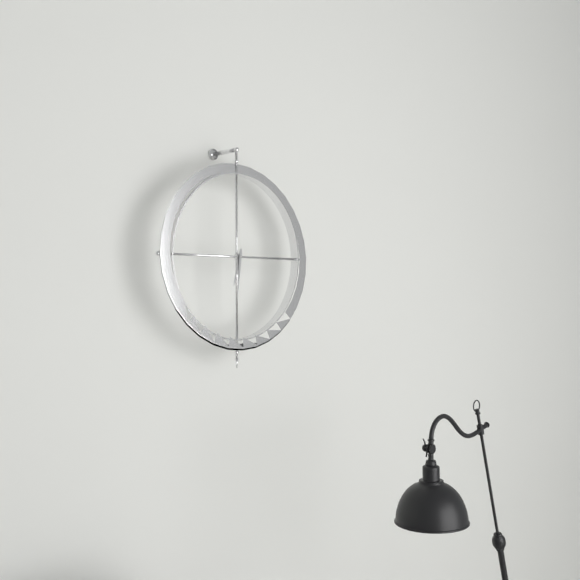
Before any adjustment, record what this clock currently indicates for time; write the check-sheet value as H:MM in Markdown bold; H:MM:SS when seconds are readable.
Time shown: **6:31**
